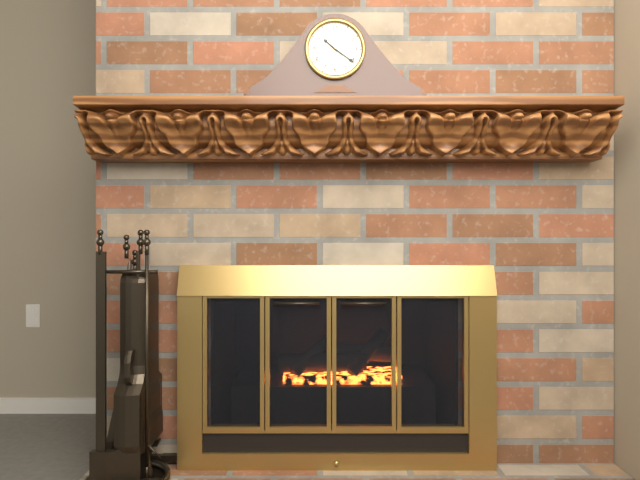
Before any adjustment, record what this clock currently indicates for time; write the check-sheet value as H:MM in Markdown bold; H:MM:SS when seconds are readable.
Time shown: **10:21**
